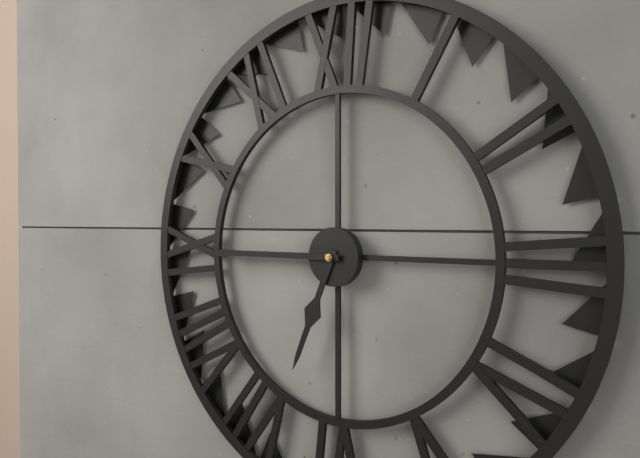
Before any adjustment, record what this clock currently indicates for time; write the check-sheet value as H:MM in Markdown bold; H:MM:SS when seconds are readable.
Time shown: **6:45**
